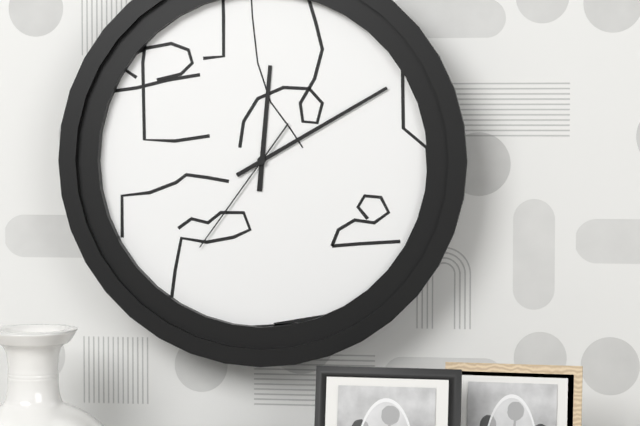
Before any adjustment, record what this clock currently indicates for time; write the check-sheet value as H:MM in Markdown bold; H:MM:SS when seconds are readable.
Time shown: **12:10:36**
